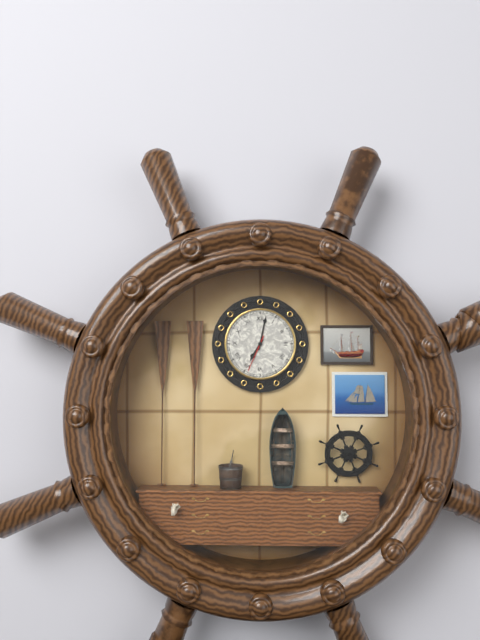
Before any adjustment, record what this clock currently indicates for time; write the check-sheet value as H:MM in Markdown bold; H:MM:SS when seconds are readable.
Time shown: **7:02**
